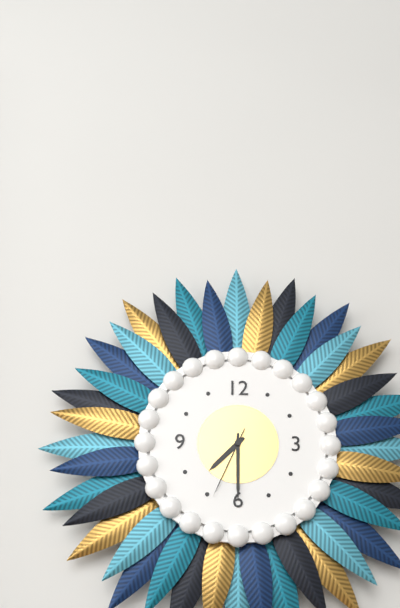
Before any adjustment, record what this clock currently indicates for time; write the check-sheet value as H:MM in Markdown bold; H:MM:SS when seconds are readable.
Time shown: **7:30:34**
